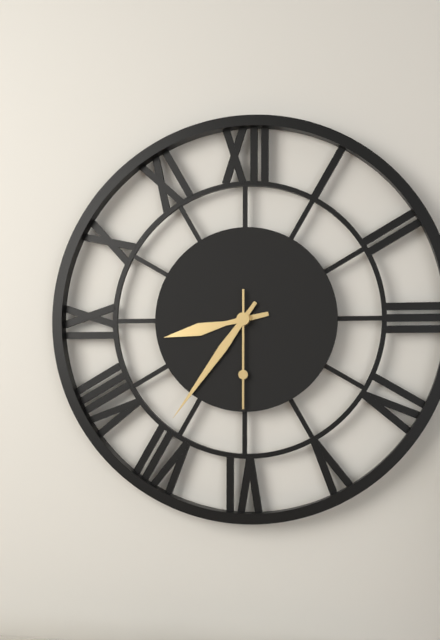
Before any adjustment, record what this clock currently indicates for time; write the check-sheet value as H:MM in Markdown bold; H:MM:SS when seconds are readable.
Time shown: **8:36:30**
